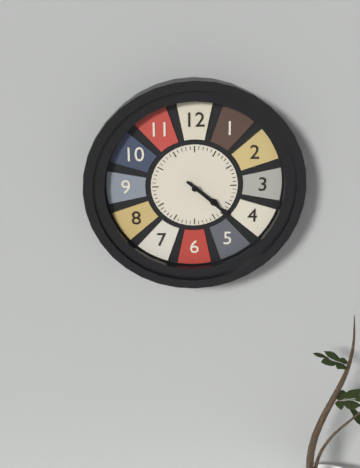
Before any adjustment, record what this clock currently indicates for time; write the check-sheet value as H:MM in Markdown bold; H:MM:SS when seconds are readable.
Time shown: **4:22**
